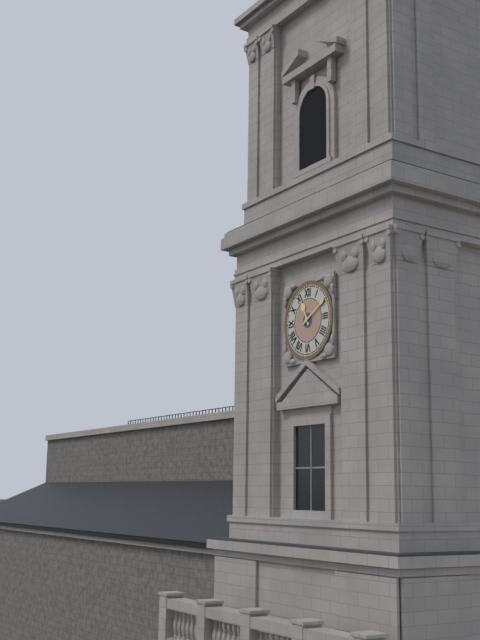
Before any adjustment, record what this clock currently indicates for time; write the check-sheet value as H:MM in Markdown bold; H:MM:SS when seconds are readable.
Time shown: **11:10**
